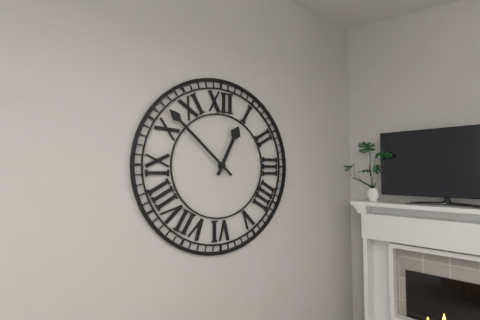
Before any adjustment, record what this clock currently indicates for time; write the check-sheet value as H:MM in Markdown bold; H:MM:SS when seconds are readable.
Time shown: **12:52**
